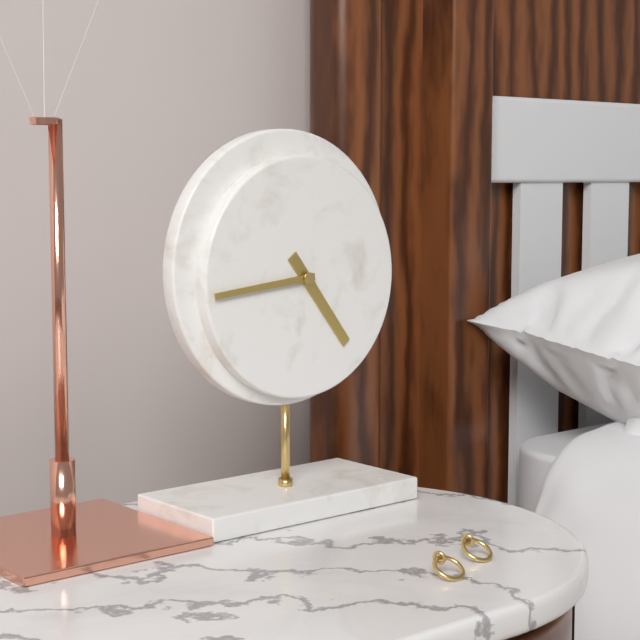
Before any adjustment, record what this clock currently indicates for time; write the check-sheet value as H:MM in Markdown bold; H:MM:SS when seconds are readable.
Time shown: **4:44**
